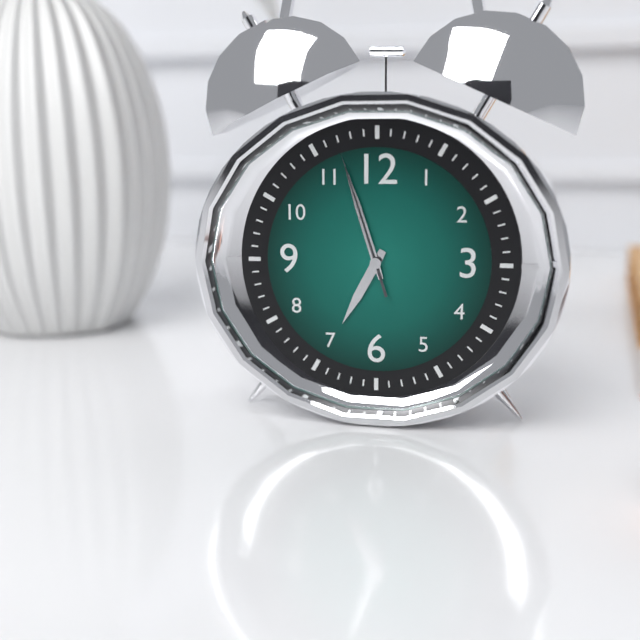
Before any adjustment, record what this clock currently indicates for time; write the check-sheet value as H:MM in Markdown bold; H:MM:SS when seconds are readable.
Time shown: **6:57:57**
